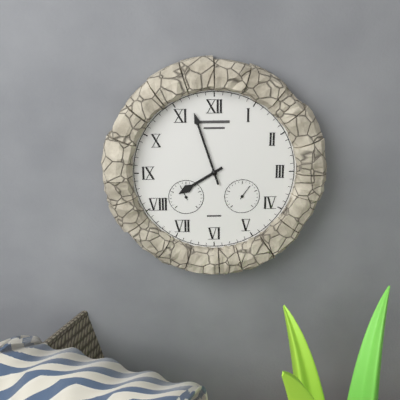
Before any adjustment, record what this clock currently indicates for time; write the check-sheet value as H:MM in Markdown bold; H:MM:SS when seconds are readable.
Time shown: **7:57**
